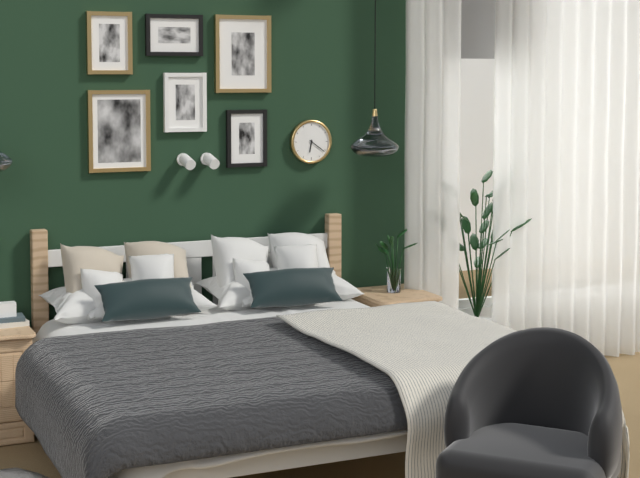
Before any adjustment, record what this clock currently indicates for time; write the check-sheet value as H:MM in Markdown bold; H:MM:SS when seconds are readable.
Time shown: **6:21**
